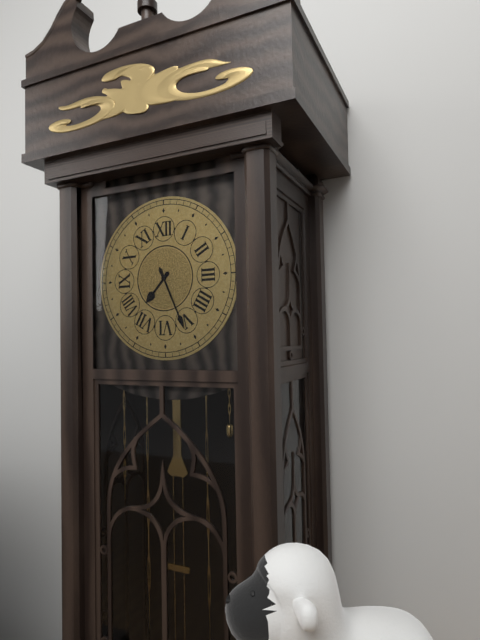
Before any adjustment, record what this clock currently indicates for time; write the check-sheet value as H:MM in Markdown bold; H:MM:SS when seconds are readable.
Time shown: **7:26**
